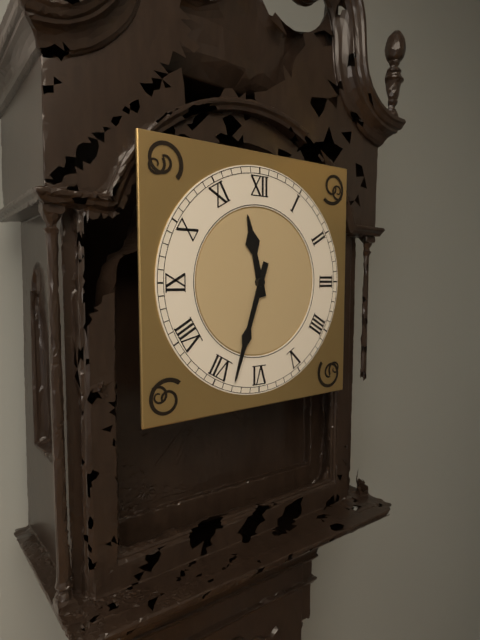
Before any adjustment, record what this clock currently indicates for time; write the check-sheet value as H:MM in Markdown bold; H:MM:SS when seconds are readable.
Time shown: **11:33**
